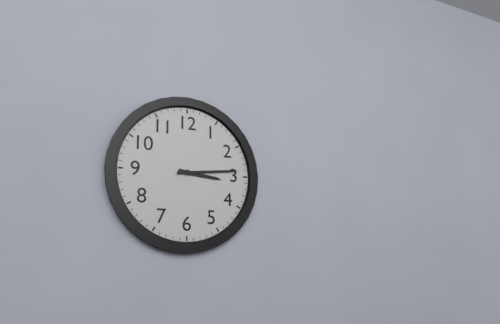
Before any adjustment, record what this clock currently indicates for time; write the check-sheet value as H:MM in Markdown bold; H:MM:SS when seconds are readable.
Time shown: **3:14**
